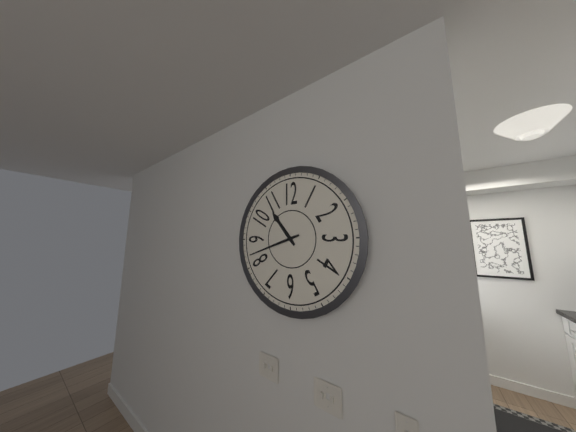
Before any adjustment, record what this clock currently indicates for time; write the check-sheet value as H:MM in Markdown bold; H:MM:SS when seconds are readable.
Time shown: **10:42**
